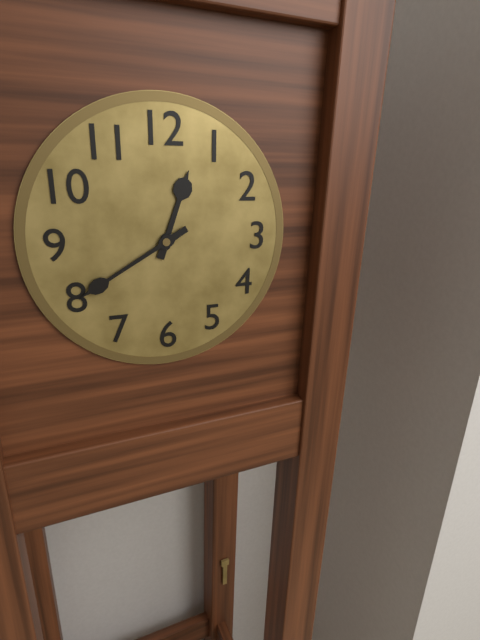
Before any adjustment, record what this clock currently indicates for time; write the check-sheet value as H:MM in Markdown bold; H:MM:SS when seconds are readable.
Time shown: **12:40**
